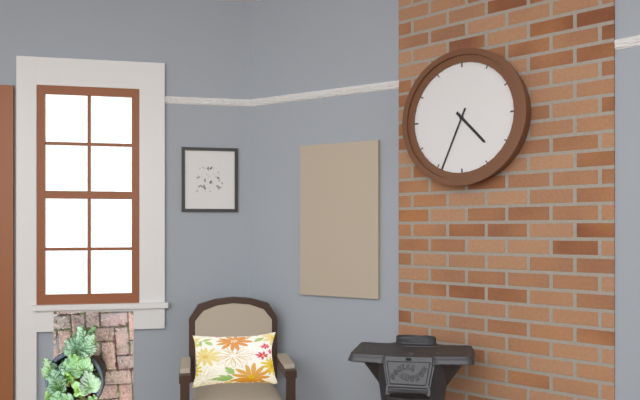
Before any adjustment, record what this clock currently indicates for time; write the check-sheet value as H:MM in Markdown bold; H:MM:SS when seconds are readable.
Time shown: **4:34**
